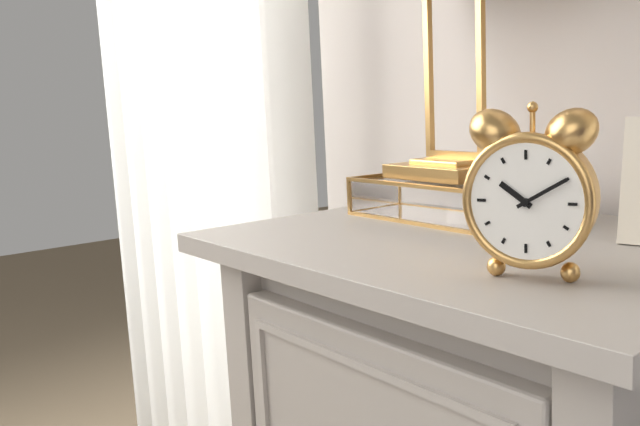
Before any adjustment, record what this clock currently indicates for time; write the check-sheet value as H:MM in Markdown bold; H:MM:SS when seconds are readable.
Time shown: **10:10**
